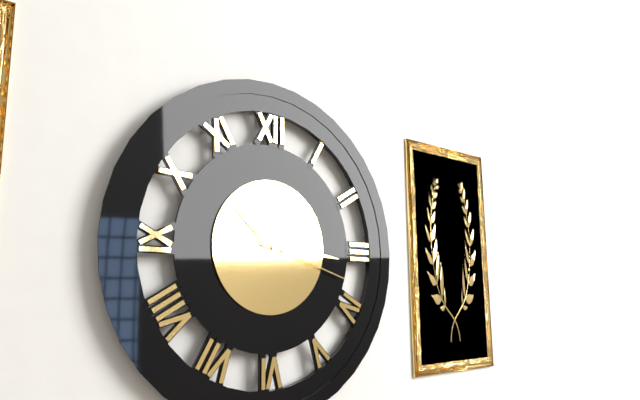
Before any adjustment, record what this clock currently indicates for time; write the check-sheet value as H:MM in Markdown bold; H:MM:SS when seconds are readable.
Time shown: **10:16:18**
